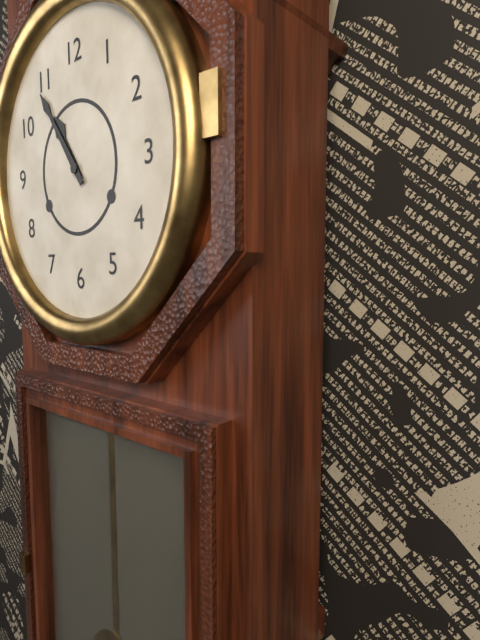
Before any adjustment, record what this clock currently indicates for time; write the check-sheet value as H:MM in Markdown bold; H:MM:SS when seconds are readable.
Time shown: **10:54**
